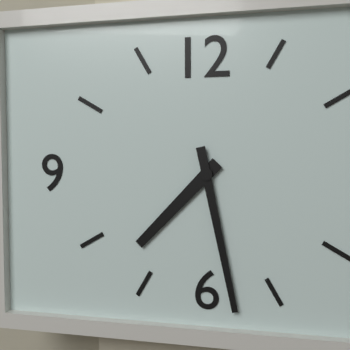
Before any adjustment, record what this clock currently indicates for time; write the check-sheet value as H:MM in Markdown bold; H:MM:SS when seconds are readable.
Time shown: **7:28**
